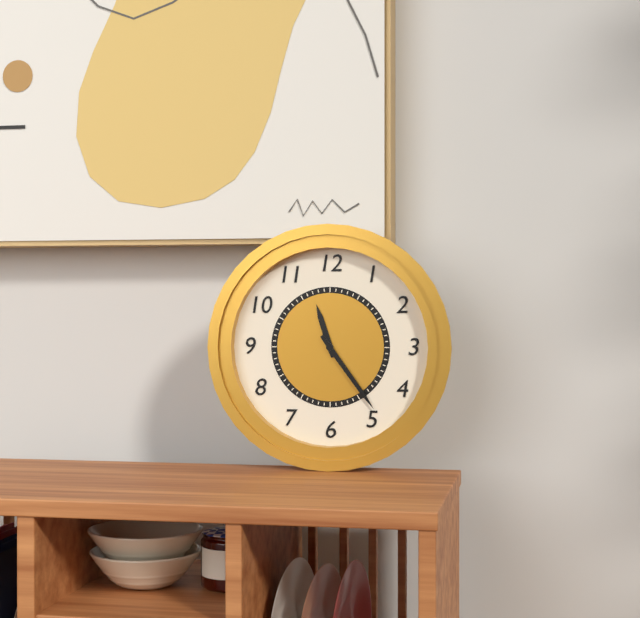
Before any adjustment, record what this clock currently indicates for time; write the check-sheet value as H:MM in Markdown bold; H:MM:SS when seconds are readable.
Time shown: **11:24**
